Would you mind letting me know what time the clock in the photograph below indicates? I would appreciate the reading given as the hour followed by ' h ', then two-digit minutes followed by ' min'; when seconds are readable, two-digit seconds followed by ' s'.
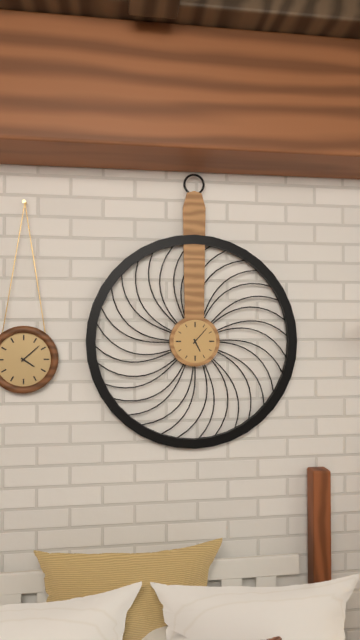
5 h 07 min
